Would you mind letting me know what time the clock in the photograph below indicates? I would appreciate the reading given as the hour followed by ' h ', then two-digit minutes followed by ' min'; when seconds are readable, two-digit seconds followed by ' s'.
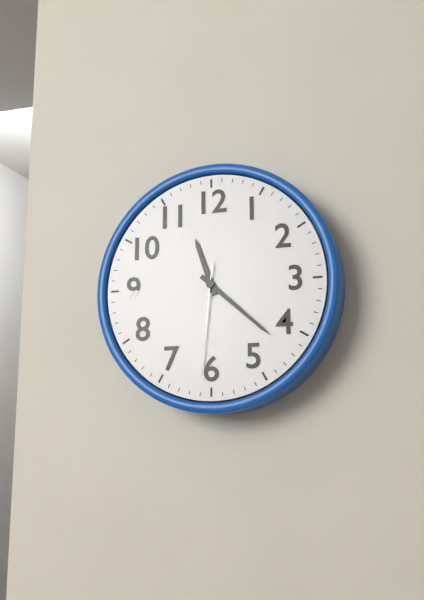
11 h 22 min 31 s
